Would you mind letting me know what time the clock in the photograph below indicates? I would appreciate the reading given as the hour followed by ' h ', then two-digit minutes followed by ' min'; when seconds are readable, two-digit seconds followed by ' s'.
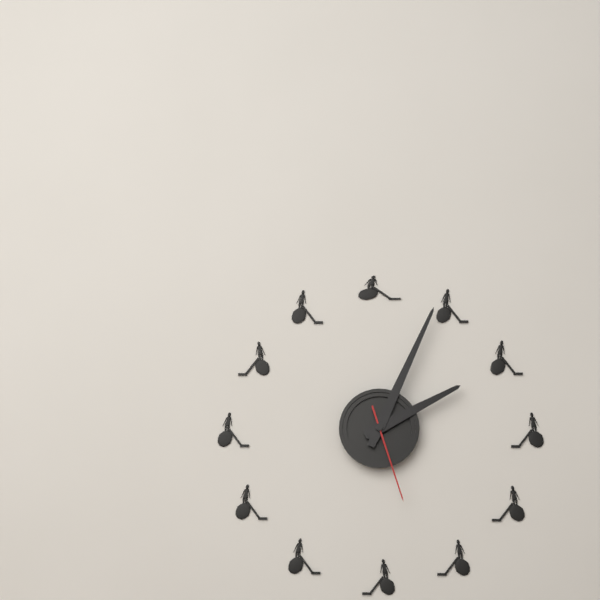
2 h 04 min 27 s
